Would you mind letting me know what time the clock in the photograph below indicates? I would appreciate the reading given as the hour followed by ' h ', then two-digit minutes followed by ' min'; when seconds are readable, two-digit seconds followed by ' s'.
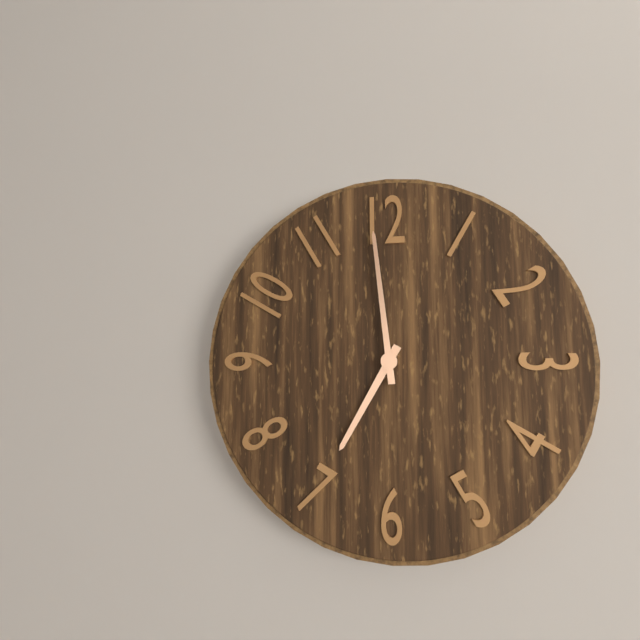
6 h 59 min
